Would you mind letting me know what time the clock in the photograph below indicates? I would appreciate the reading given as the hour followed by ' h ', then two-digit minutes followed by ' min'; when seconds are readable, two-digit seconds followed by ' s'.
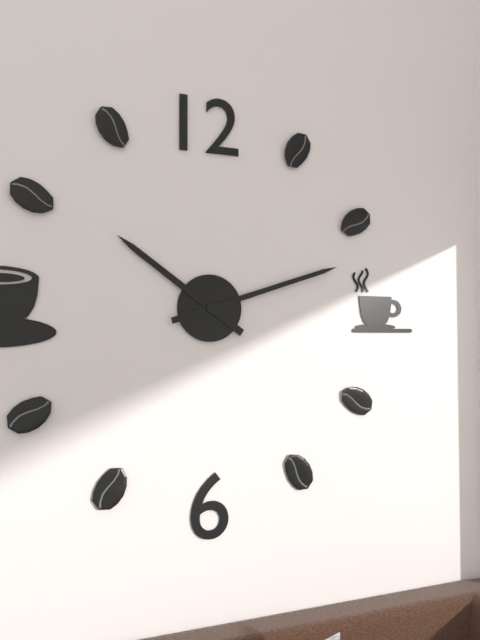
10 h 12 min
